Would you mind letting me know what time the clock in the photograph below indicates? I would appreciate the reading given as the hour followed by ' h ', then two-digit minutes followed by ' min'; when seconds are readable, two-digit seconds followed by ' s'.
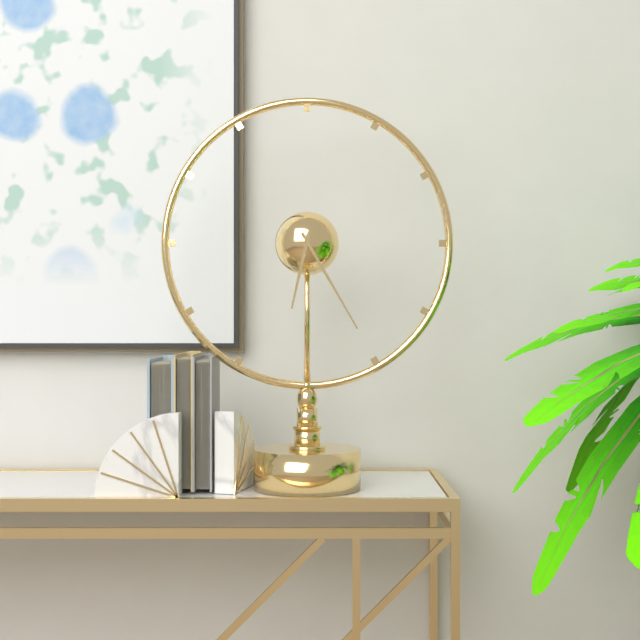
6 h 25 min
